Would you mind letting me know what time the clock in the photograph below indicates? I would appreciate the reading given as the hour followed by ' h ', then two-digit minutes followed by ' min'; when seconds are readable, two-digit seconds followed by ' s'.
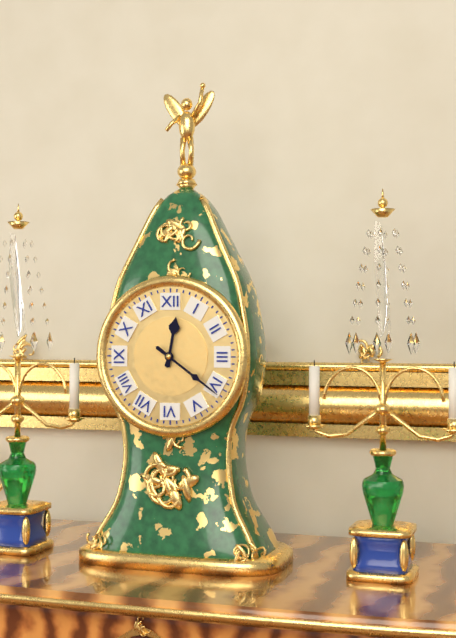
12 h 21 min
